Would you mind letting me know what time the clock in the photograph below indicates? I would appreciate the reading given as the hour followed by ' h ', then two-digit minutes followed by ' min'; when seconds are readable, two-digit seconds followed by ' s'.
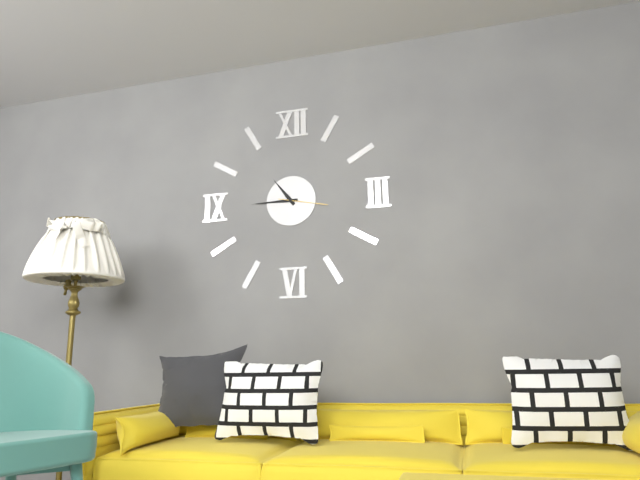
10 h 45 min
